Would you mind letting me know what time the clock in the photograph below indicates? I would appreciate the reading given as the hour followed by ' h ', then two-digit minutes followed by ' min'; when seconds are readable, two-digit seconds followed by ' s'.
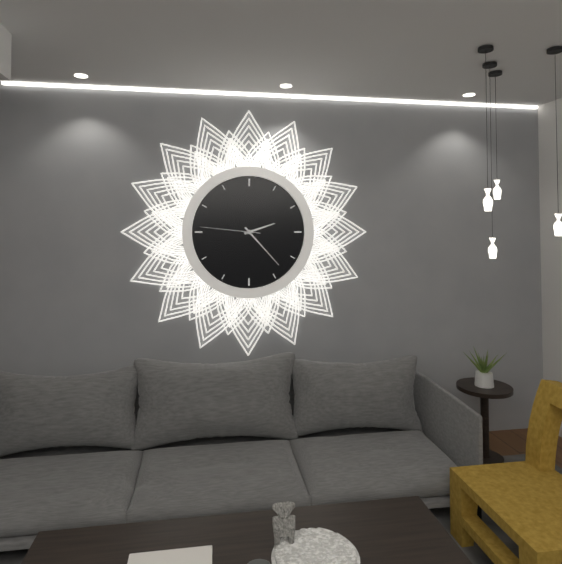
2 h 23 min 46 s
